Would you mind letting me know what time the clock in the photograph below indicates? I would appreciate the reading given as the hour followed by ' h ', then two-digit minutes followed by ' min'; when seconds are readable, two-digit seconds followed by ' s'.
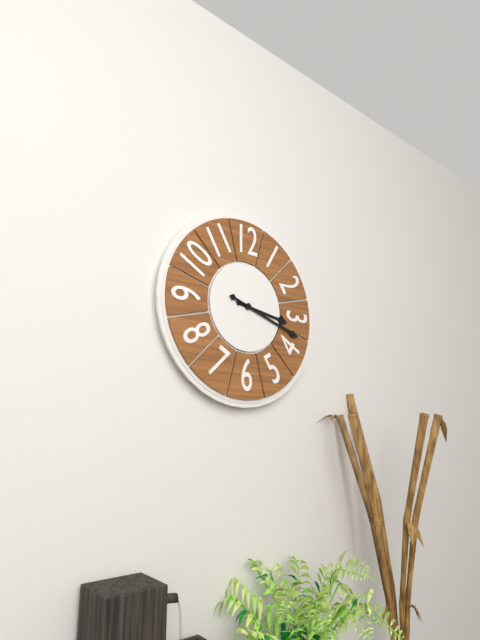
3 h 18 min
